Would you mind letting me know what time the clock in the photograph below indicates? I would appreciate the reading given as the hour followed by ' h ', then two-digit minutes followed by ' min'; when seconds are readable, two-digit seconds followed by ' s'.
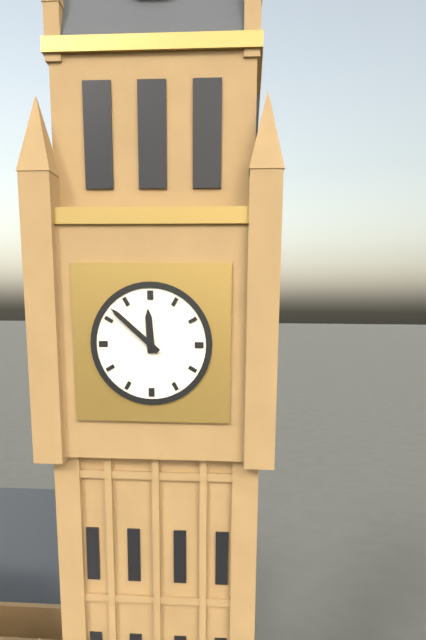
11 h 52 min
